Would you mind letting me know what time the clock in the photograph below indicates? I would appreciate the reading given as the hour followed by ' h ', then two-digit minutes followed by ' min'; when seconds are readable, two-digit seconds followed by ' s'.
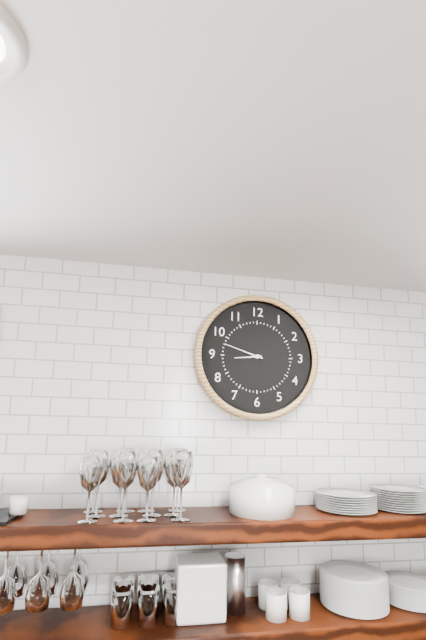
8 h 48 min
